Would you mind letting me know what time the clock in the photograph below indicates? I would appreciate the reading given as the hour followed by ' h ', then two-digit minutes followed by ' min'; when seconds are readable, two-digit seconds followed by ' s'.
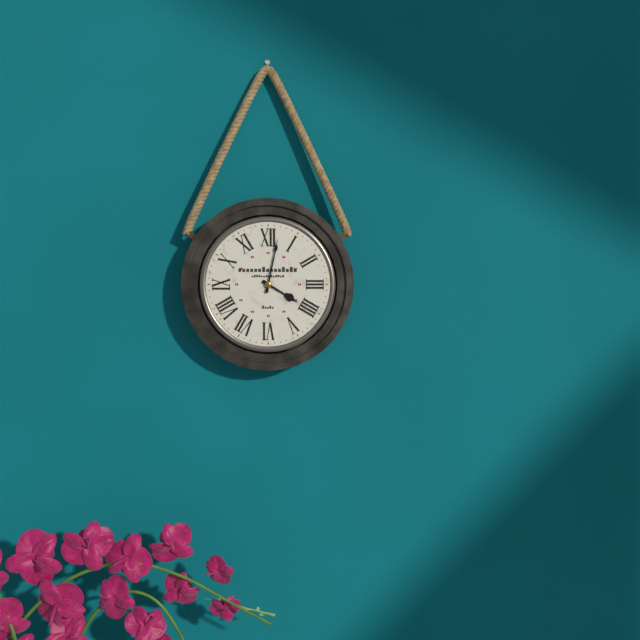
4 h 02 min
